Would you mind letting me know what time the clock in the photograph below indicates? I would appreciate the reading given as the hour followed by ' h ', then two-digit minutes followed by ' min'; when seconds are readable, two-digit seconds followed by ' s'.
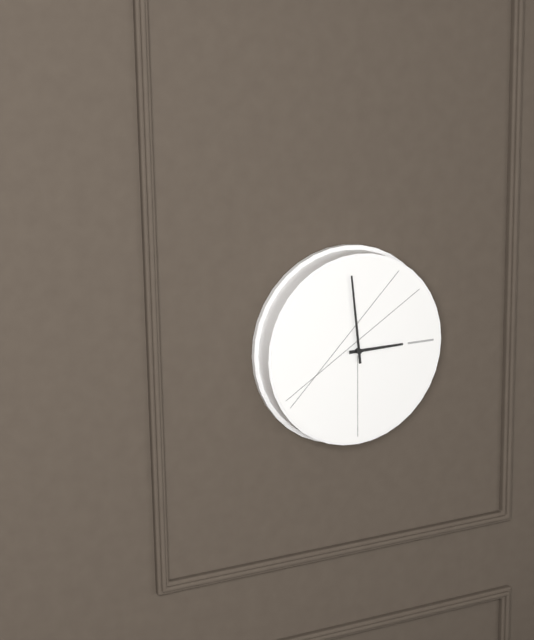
2 h 59 min
